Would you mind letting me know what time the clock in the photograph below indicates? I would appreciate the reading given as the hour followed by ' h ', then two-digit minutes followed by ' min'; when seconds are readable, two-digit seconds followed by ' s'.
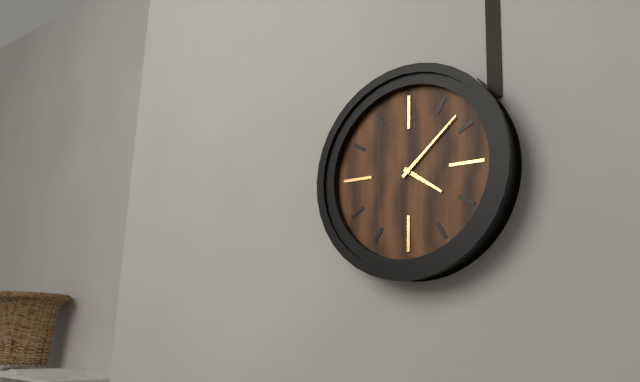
4 h 08 min
